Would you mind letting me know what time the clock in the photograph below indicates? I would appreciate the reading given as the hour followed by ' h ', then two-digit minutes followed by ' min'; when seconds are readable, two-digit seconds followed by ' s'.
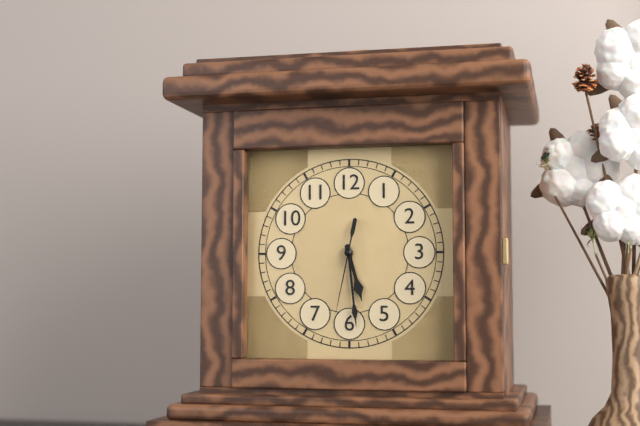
5 h 29 min 32 s
